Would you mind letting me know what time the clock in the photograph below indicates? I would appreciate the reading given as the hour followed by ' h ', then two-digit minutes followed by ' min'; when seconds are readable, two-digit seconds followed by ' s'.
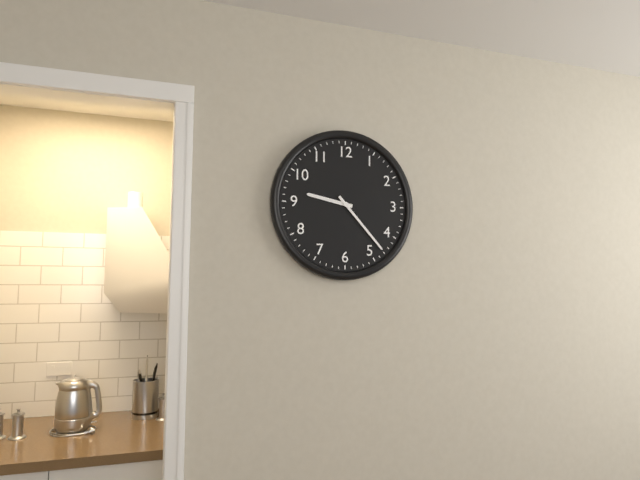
9 h 23 min
